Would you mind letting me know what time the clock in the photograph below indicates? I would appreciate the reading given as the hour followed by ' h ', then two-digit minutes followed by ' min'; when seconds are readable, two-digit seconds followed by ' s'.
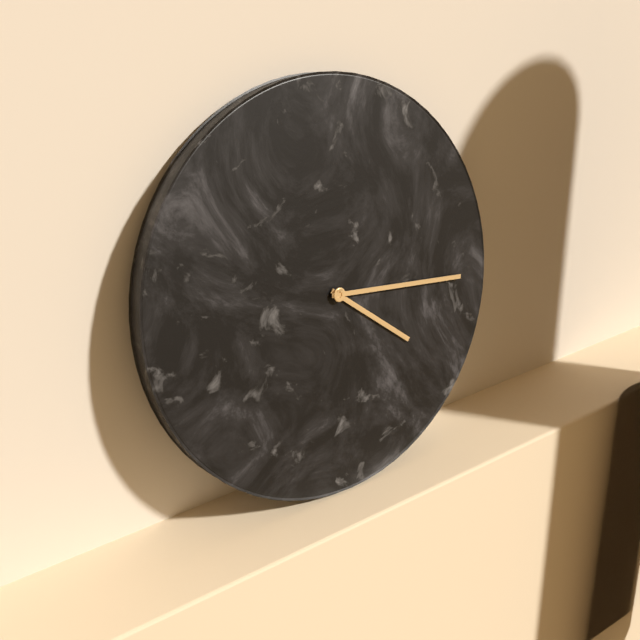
4 h 16 min
